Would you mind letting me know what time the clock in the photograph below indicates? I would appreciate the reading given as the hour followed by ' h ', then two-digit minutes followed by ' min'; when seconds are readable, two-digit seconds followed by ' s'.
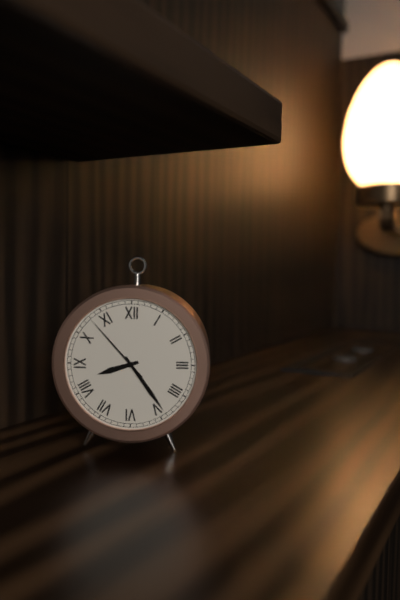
8 h 24 min 53 s
